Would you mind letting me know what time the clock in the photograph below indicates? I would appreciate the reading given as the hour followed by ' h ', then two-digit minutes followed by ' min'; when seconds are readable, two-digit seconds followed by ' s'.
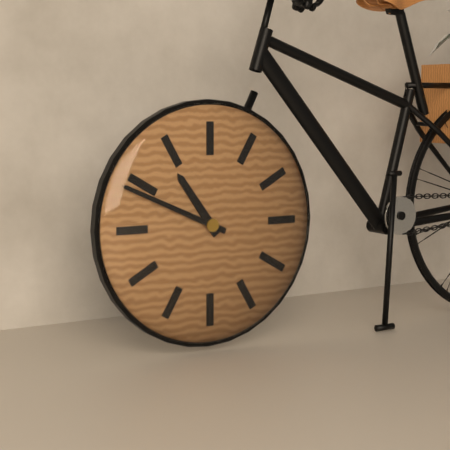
10 h 49 min
